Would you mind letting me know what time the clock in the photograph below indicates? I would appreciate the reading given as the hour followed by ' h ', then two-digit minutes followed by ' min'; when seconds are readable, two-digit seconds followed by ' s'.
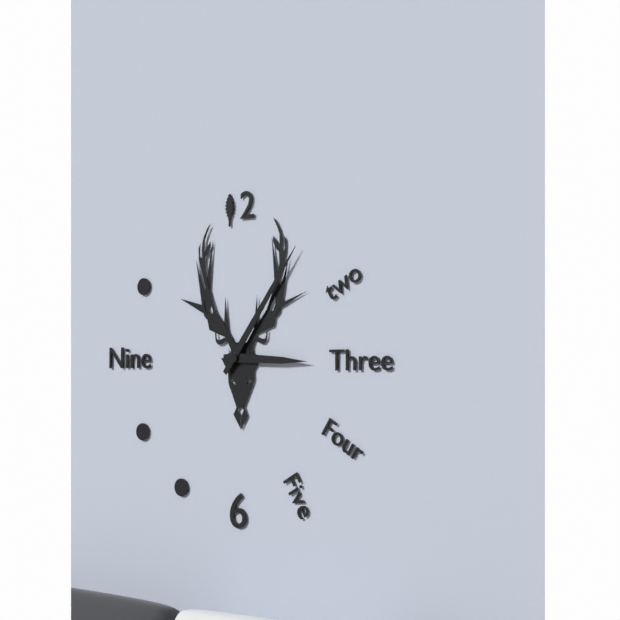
3 h 06 min
